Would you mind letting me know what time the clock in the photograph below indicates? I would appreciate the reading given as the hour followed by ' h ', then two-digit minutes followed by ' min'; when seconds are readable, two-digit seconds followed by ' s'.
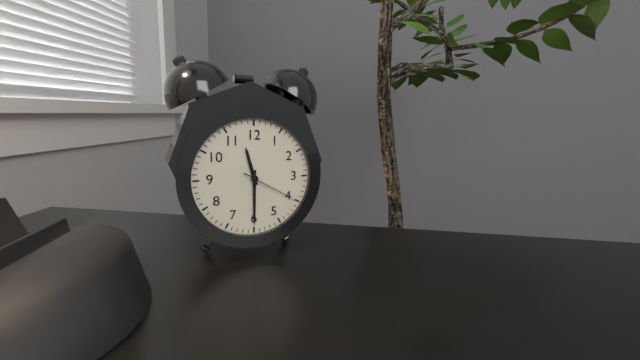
11 h 30 min 20 s
